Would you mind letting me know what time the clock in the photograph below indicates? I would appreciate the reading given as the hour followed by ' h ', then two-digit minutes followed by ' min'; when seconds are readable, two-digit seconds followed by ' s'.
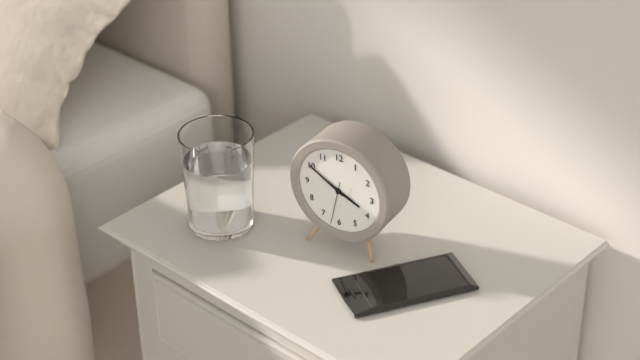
3 h 50 min 32 s
